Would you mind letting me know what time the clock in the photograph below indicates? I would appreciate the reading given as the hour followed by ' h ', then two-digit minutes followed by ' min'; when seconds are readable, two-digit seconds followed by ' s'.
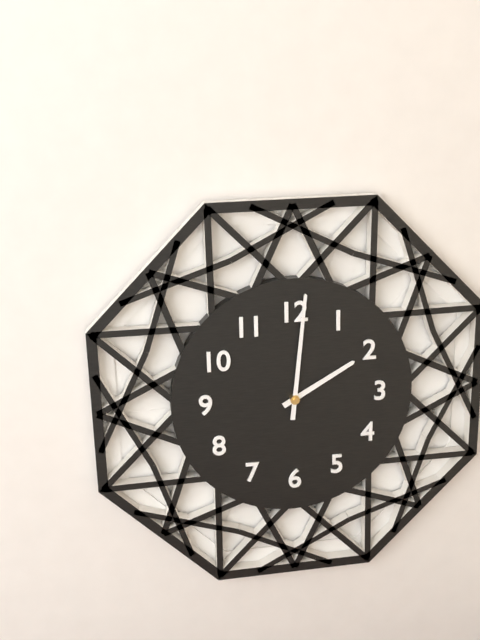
2 h 01 min
